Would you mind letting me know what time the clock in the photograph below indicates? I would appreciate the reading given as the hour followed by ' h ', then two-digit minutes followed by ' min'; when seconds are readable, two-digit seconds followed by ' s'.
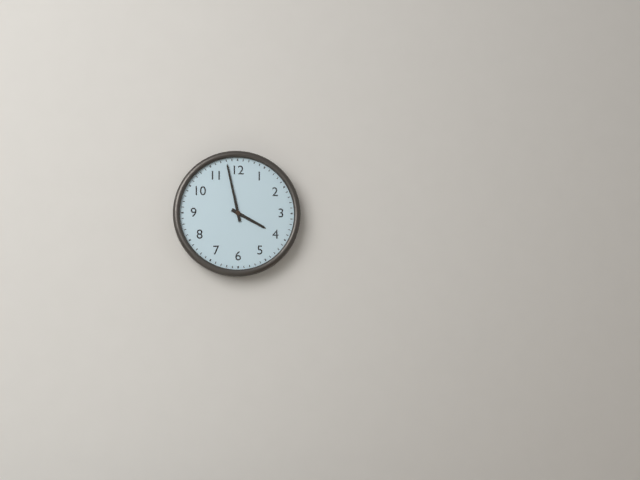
3 h 58 min
